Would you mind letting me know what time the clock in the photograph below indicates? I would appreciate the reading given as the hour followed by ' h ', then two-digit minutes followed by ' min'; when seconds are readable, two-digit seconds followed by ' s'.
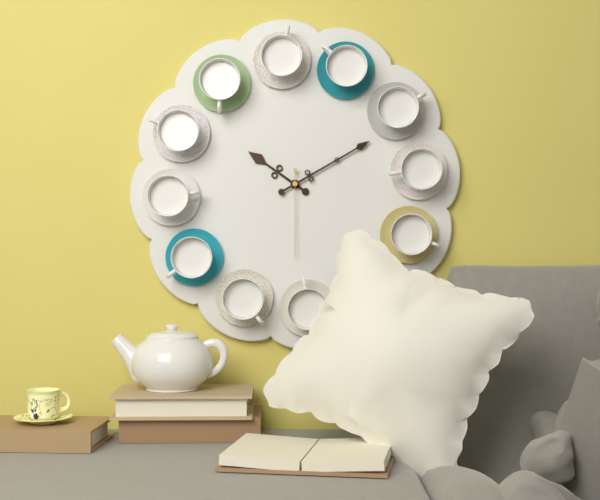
10 h 10 min 30 s
